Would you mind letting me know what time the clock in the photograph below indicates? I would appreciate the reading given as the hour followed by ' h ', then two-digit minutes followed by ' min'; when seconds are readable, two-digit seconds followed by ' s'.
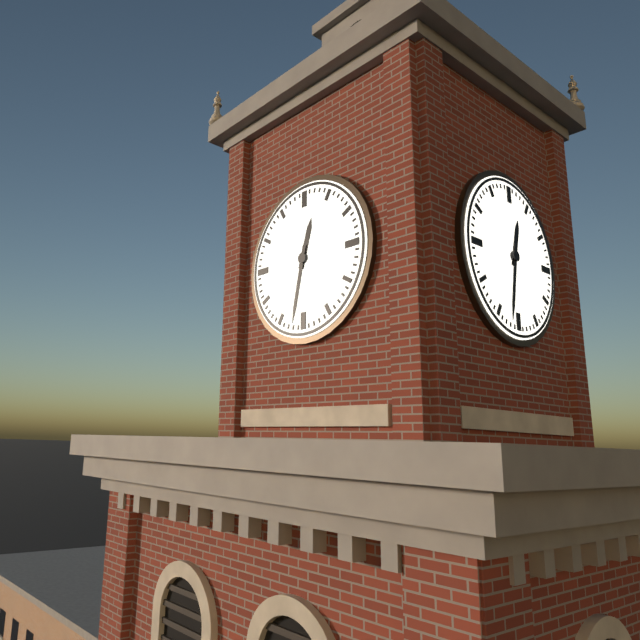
12 h 32 min
